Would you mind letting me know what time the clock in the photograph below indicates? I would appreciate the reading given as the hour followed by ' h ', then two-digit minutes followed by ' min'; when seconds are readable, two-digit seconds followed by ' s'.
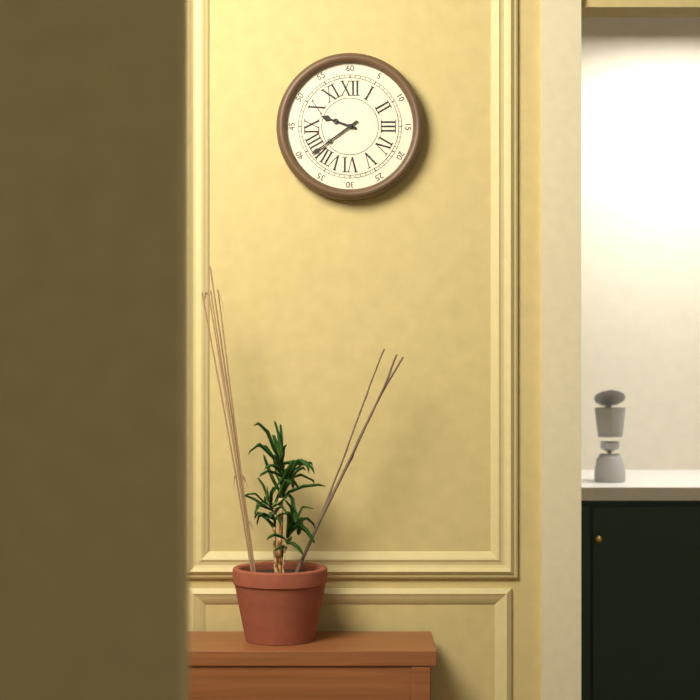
9 h 39 min
